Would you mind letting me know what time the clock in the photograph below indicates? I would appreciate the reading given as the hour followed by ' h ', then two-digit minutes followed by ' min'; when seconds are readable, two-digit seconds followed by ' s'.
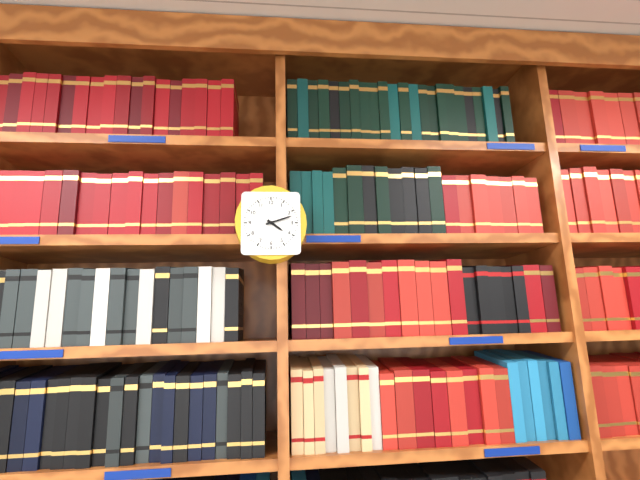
4 h 12 min
